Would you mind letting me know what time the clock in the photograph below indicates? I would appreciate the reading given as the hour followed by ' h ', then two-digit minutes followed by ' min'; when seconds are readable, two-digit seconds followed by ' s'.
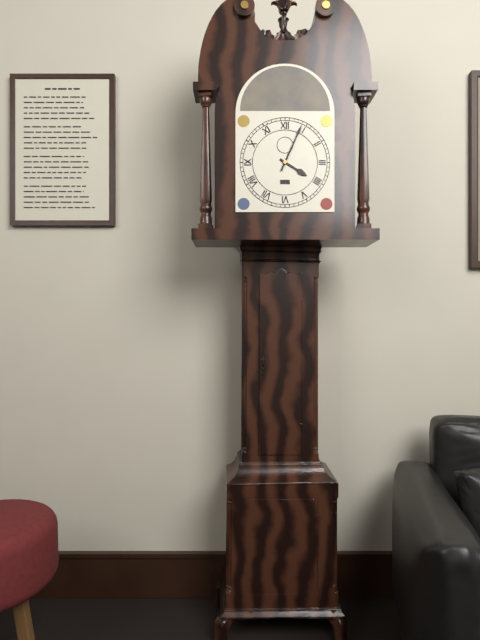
4 h 04 min
